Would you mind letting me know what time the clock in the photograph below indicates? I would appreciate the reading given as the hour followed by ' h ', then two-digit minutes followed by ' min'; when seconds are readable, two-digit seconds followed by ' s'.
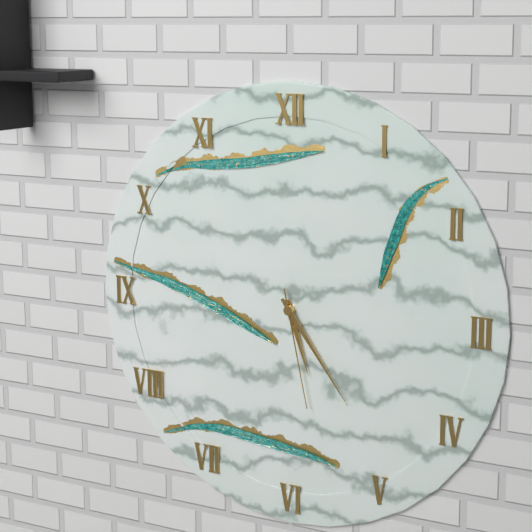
5 h 24 min 28 s
